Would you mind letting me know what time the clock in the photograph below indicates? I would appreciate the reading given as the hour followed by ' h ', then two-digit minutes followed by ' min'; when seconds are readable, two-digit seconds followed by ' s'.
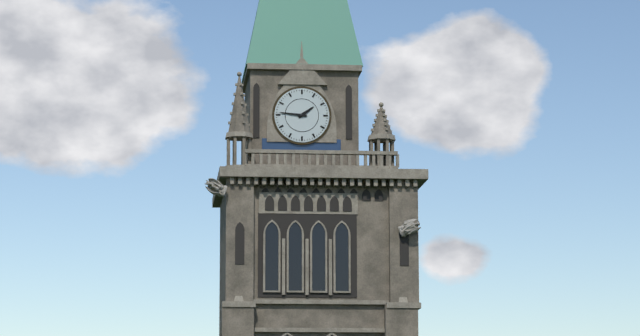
1 h 46 min
